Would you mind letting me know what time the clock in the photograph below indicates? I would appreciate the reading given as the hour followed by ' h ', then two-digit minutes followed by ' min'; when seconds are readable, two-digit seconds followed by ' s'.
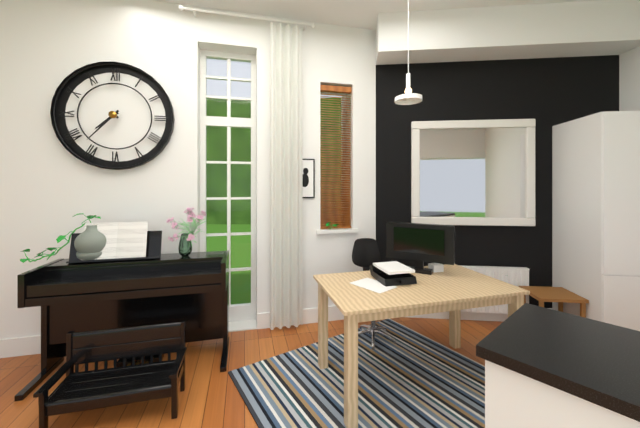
7 h 37 min
